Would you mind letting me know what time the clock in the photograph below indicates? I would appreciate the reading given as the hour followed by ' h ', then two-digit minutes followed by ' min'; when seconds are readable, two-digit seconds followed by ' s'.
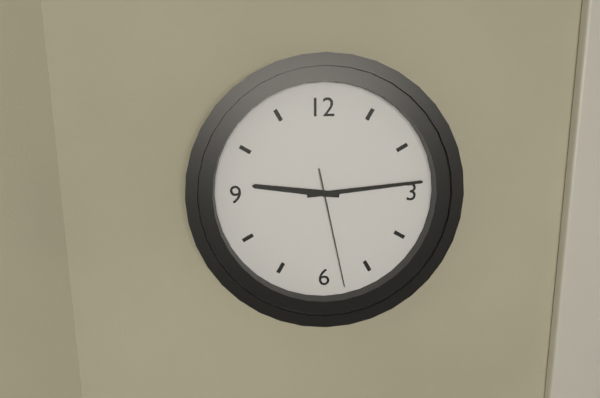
9 h 14 min 28 s
